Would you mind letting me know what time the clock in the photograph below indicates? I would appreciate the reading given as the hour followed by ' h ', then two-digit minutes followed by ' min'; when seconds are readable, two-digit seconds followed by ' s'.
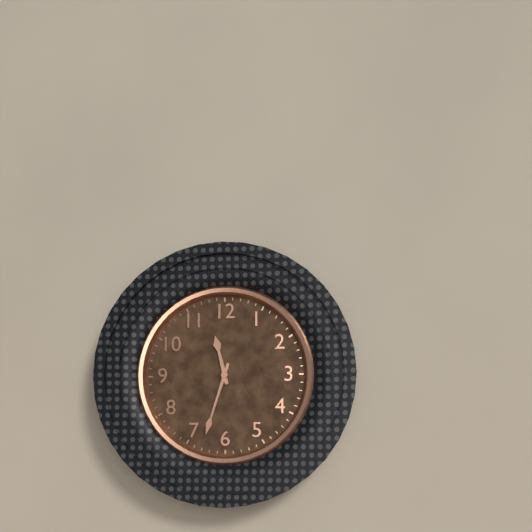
11 h 33 min
